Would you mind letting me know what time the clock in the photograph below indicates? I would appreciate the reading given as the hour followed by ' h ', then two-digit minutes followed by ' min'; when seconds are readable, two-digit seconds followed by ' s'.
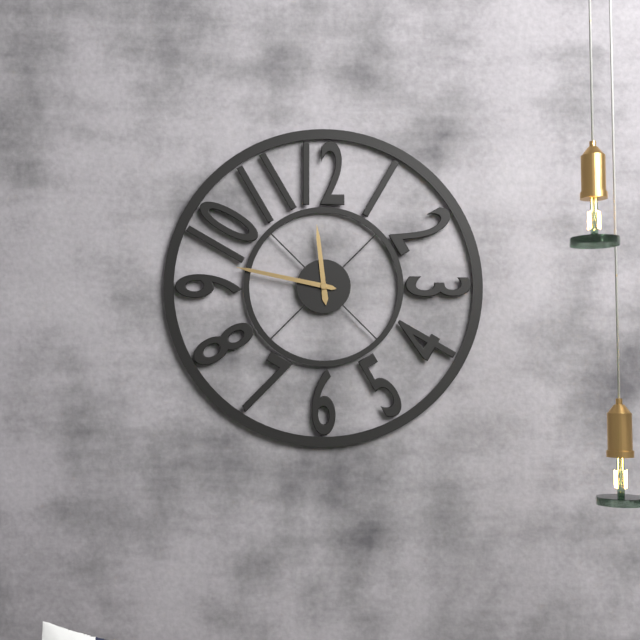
11 h 47 min
